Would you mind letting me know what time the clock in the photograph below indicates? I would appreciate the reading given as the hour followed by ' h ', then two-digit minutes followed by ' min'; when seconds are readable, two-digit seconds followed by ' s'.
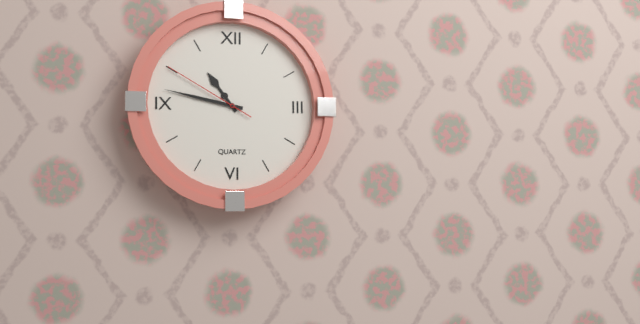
10 h 47 min 50 s
